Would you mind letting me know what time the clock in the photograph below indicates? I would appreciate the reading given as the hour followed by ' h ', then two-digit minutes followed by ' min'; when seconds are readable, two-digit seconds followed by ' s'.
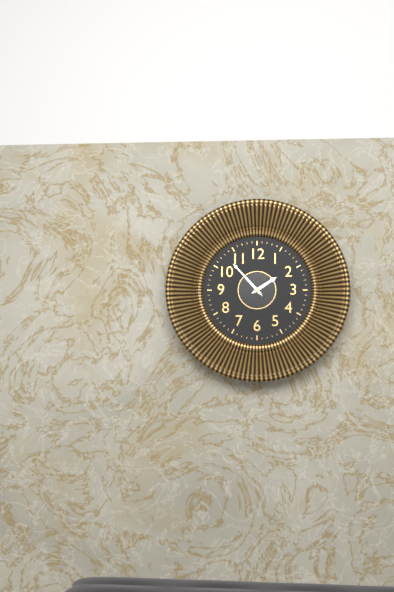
1 h 53 min
